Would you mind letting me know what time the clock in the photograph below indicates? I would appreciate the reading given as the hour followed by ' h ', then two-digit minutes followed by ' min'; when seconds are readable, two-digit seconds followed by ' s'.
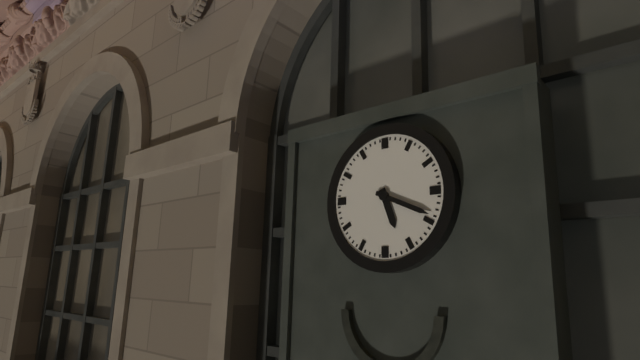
5 h 19 min
